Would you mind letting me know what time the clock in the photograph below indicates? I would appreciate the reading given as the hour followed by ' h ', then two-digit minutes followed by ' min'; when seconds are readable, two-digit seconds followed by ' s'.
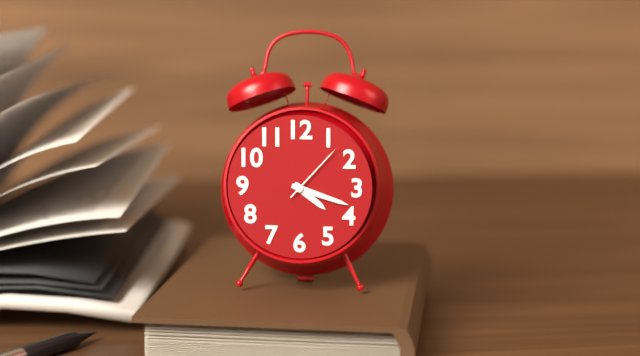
4 h 18 min 07 s
